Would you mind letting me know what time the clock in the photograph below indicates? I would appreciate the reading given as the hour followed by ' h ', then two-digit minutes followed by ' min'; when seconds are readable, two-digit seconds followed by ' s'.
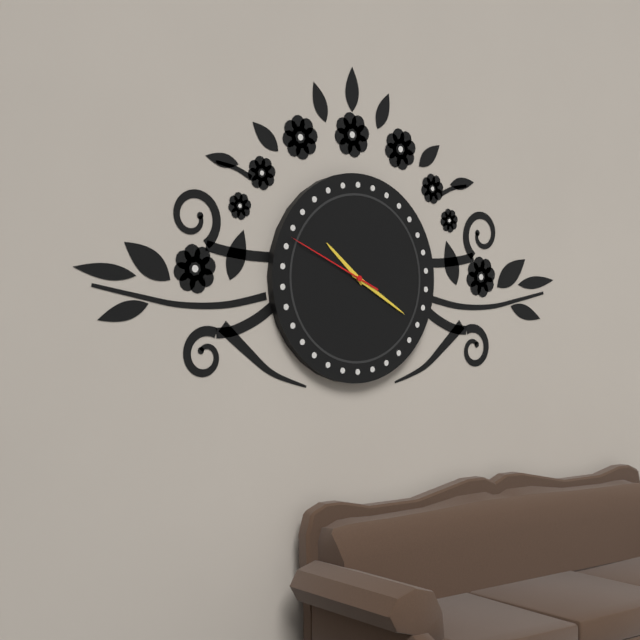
10 h 20 min 49 s
